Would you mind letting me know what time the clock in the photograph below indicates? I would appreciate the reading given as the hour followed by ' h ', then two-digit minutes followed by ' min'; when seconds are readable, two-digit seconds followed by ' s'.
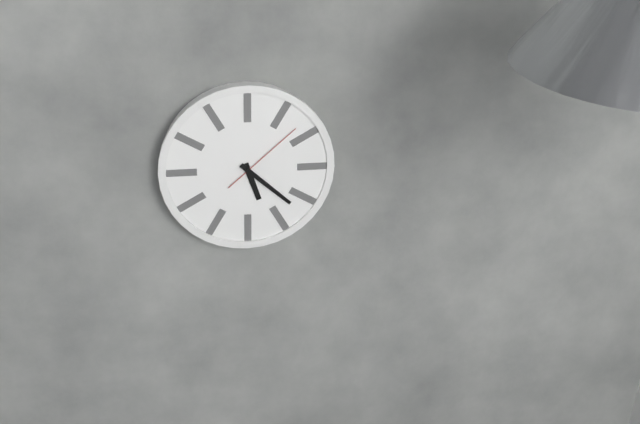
5 h 22 min 08 s
